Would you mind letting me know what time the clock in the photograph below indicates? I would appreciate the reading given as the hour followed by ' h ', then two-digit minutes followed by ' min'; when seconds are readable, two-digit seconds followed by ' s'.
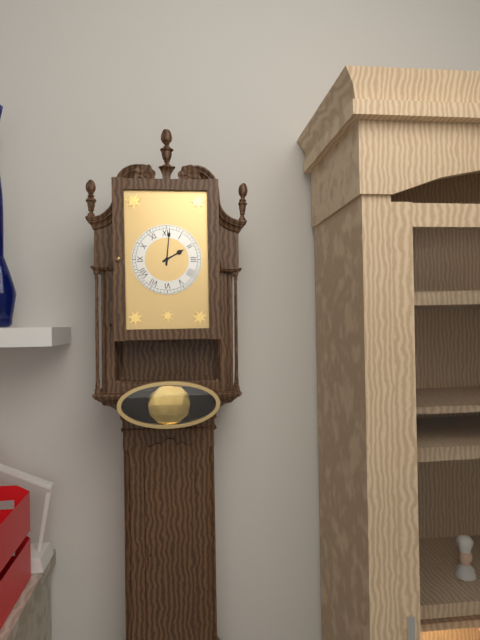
2 h 01 min
